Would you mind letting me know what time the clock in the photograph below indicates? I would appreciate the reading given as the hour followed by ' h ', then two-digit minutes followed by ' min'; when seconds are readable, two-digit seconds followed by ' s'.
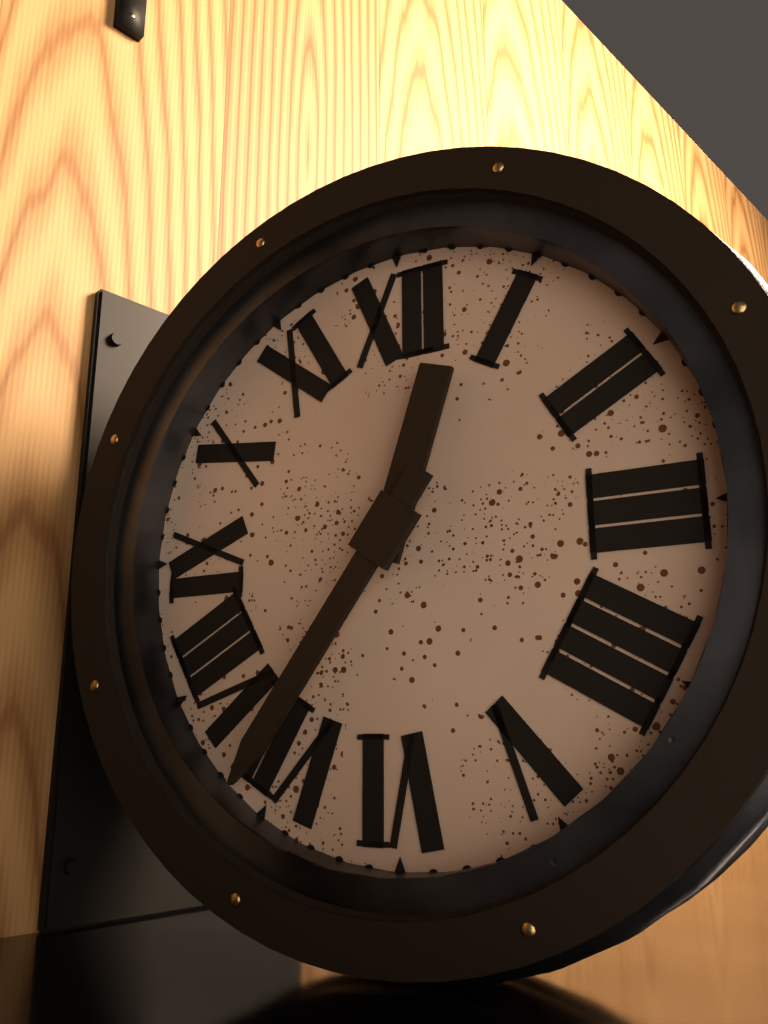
12 h 36 min
